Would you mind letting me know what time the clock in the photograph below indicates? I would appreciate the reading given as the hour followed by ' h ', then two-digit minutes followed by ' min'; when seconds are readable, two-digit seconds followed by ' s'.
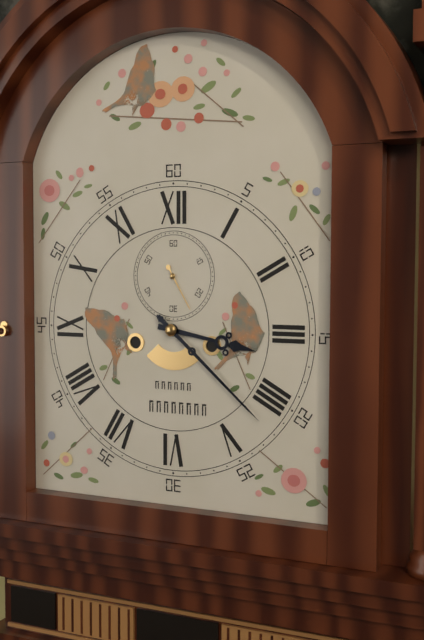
3 h 22 min
